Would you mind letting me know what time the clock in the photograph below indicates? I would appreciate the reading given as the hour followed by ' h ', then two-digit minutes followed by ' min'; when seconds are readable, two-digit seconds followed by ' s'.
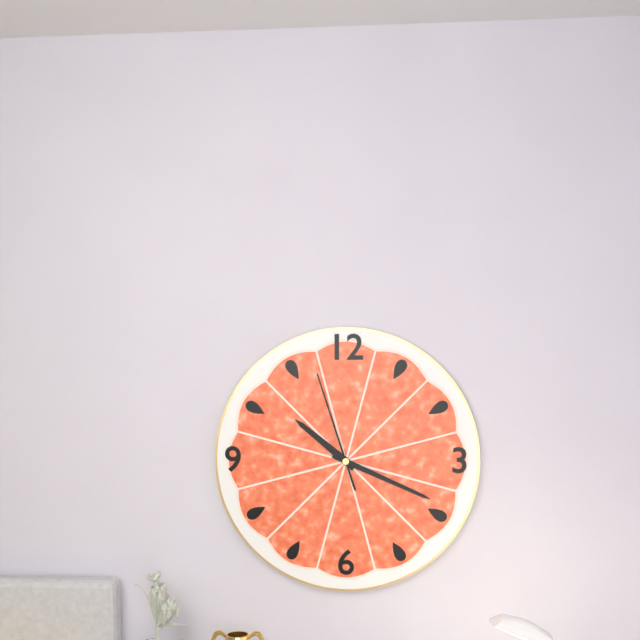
10 h 19 min 57 s
